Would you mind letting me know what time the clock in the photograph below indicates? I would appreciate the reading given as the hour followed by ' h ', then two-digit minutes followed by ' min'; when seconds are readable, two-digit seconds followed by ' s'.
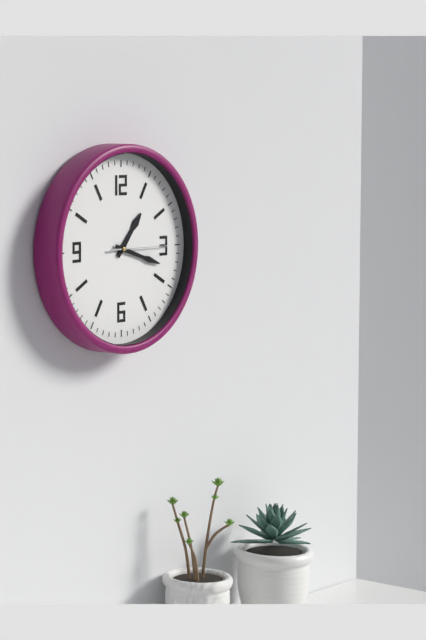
1 h 18 min 15 s
